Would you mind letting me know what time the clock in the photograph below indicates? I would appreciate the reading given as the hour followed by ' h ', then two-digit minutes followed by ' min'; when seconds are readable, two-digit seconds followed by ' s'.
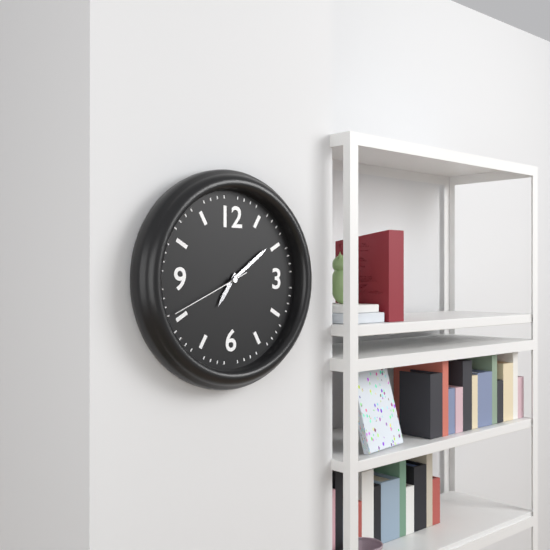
7 h 09 min 41 s
